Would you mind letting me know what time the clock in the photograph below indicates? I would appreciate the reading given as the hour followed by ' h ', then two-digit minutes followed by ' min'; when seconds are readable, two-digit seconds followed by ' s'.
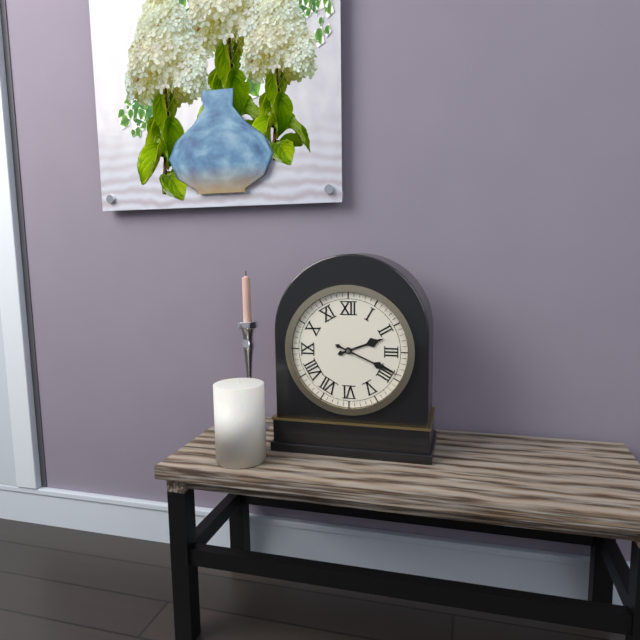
2 h 19 min
